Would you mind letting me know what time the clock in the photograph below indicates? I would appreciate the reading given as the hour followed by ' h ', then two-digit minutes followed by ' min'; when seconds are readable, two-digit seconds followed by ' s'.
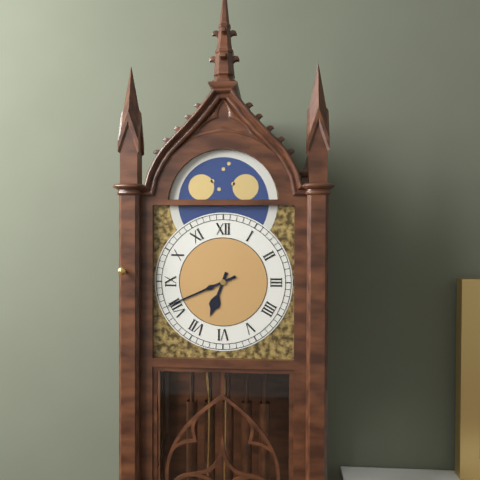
6 h 41 min
